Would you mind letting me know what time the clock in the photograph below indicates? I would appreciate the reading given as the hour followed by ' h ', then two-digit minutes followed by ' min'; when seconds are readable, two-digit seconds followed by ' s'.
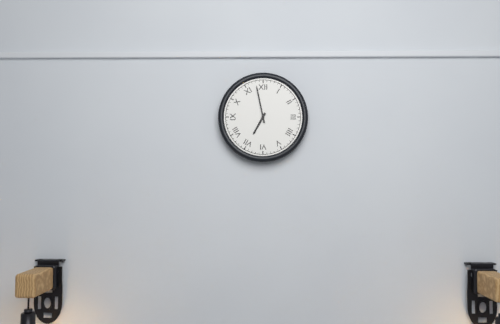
6 h 58 min
